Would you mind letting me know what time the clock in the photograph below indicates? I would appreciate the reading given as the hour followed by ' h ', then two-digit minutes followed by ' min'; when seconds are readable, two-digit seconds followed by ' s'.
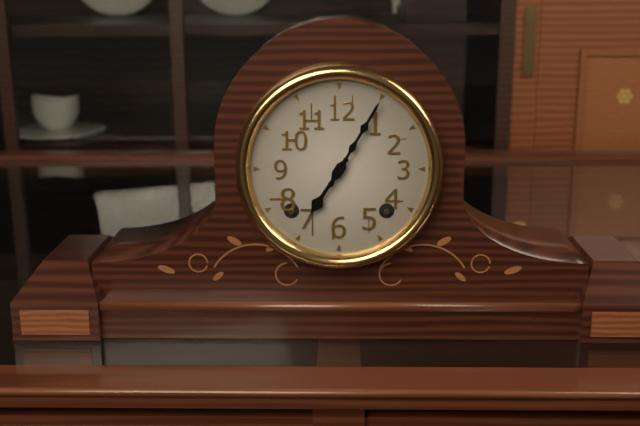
7 h 05 min
